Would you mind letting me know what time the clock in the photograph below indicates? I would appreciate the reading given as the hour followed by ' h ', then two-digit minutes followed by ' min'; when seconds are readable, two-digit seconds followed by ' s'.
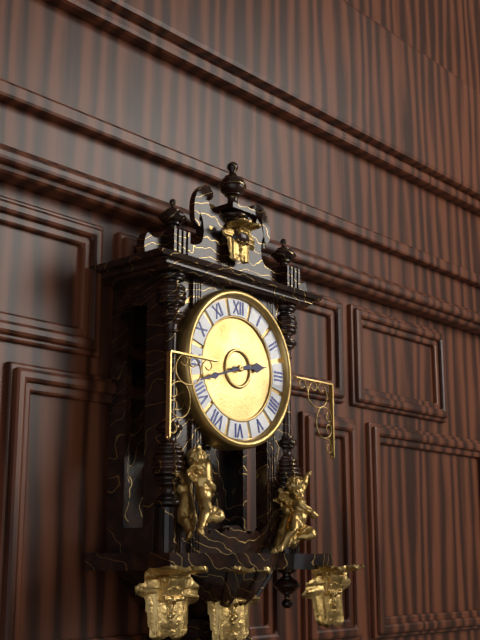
2 h 42 min
